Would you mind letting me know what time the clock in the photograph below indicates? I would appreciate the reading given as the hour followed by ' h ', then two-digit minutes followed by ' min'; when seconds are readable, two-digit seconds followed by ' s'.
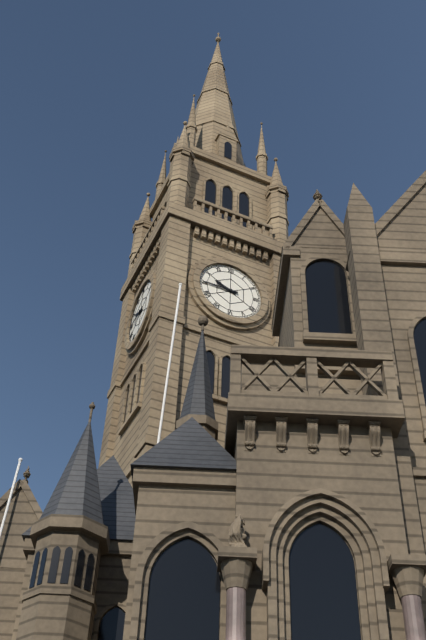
9 h 45 min
